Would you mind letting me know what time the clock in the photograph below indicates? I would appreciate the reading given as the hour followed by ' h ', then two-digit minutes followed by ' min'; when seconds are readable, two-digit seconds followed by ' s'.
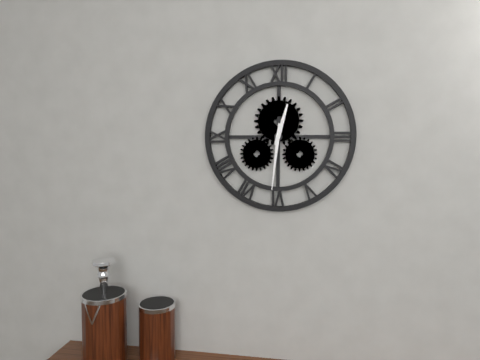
12 h 31 min
